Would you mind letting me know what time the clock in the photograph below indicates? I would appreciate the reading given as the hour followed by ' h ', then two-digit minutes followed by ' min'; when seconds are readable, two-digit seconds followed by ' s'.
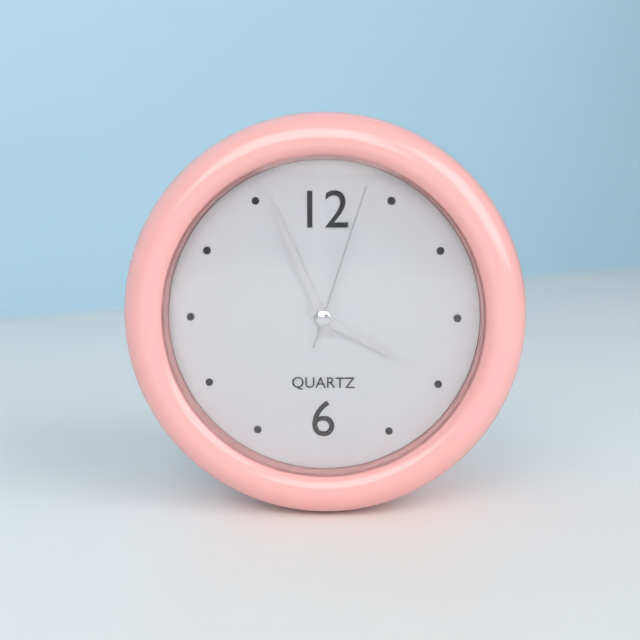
3 h 56 min 03 s
